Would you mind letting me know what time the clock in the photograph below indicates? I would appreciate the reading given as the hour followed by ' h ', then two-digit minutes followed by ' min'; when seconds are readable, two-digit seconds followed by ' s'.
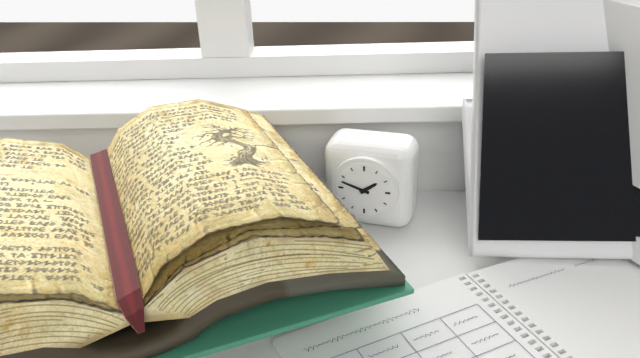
1 h 48 min
